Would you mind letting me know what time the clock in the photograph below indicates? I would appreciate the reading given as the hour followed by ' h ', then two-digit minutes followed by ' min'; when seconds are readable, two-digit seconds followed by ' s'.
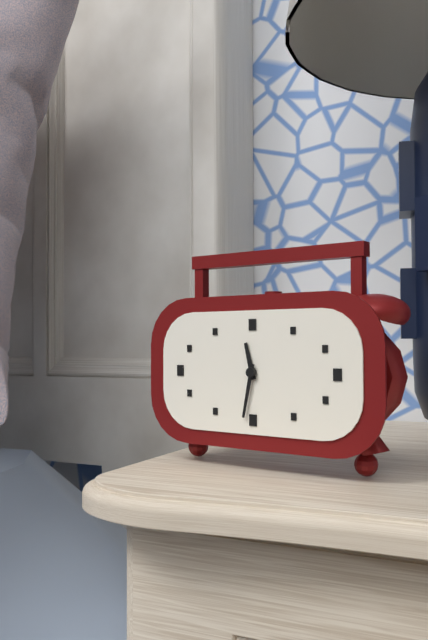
11 h 32 min
